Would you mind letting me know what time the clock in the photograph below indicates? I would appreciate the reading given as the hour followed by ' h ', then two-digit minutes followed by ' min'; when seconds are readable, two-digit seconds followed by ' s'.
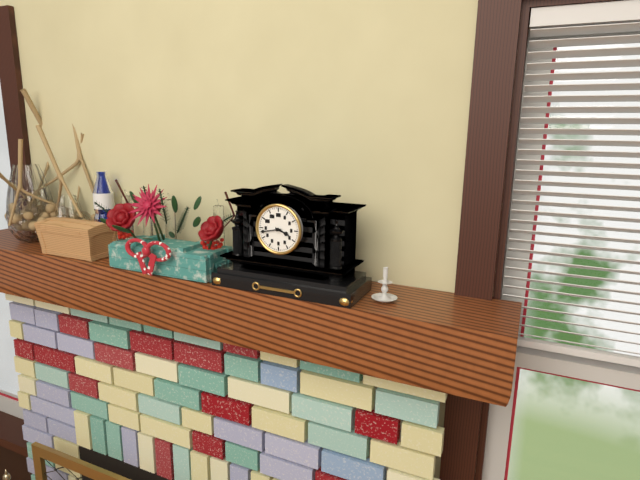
3 h 43 min
